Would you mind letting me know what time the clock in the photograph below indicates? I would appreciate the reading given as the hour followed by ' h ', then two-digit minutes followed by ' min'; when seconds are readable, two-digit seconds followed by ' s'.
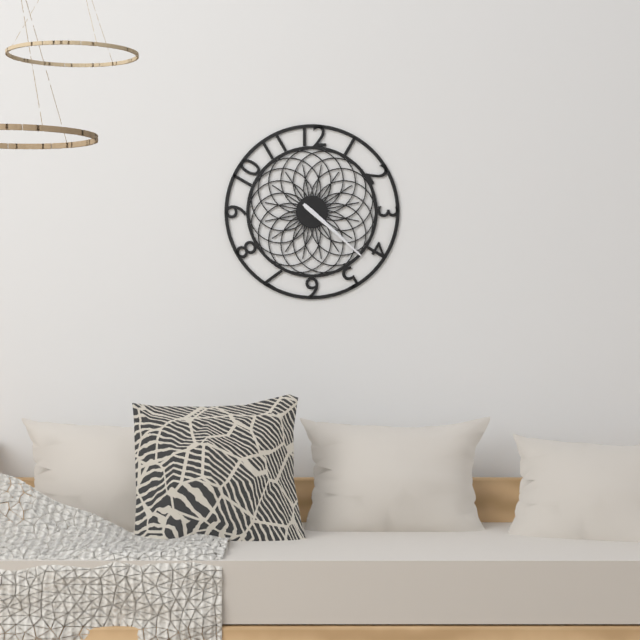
4 h 22 min
